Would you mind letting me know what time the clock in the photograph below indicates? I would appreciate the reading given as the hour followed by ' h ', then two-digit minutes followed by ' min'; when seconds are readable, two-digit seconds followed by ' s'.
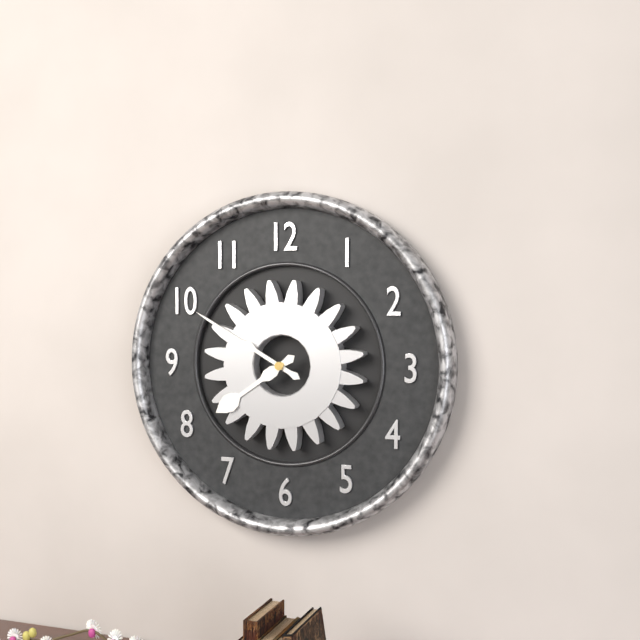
7 h 50 min
